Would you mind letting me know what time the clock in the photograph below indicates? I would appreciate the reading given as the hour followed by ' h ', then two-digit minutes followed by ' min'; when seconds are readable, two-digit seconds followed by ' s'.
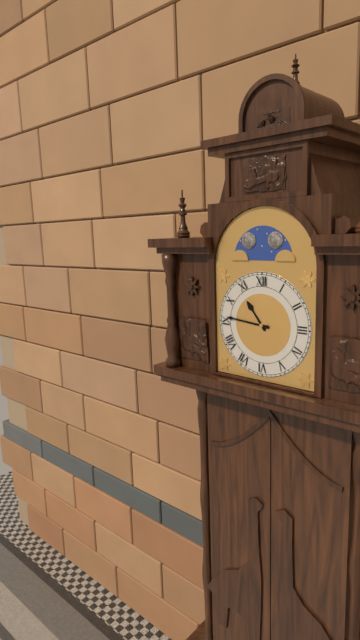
10 h 46 min
